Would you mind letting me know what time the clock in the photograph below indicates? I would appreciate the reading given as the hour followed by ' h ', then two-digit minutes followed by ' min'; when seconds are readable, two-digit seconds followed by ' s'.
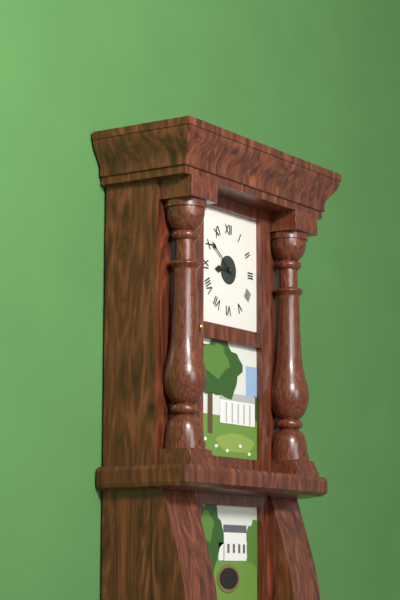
8 h 51 min
